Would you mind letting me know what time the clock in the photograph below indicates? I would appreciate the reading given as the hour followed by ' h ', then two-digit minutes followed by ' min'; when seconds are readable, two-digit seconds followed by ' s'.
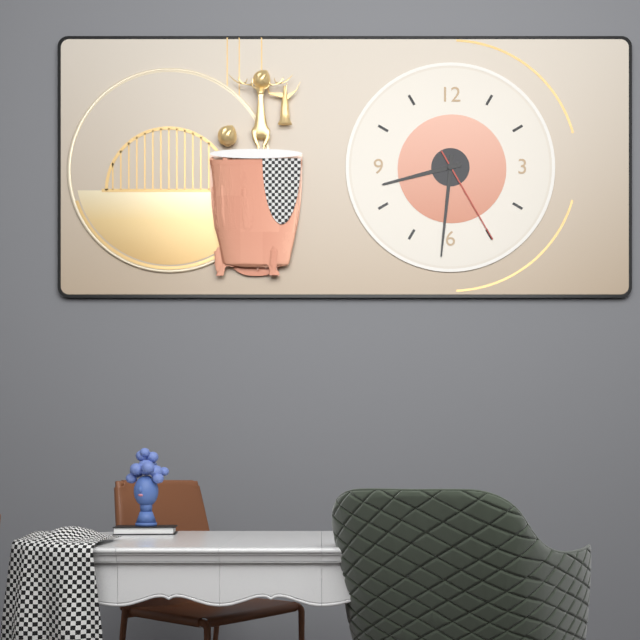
8 h 31 min 25 s
